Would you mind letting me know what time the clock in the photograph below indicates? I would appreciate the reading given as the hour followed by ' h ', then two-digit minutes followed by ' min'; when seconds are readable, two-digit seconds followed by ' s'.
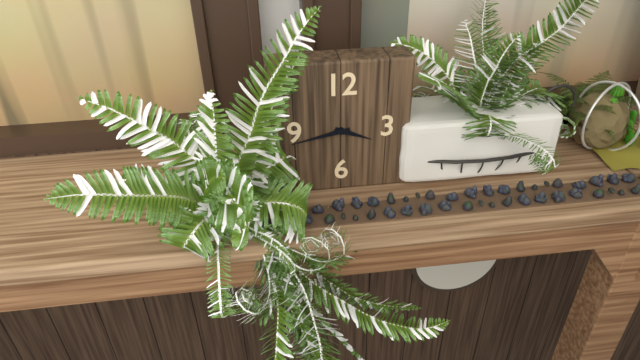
3 h 43 min
